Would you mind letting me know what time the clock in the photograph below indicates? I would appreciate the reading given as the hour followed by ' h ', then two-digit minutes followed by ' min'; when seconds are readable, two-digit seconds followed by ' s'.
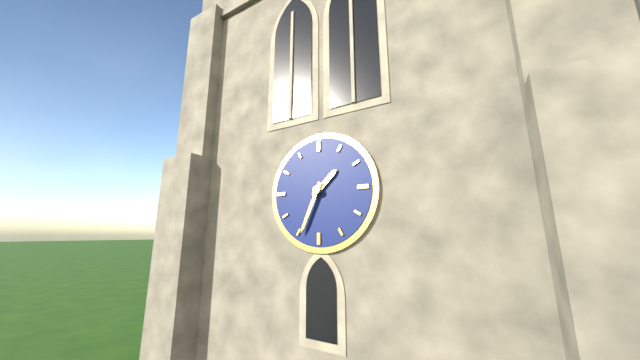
1 h 34 min
